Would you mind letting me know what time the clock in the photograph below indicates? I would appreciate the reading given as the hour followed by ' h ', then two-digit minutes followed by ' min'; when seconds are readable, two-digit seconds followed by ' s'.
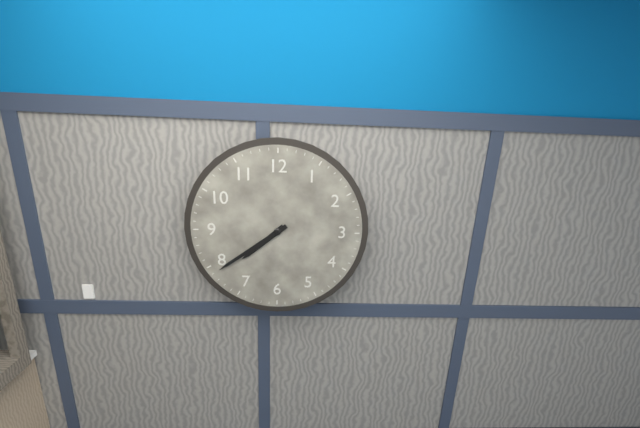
7 h 39 min
